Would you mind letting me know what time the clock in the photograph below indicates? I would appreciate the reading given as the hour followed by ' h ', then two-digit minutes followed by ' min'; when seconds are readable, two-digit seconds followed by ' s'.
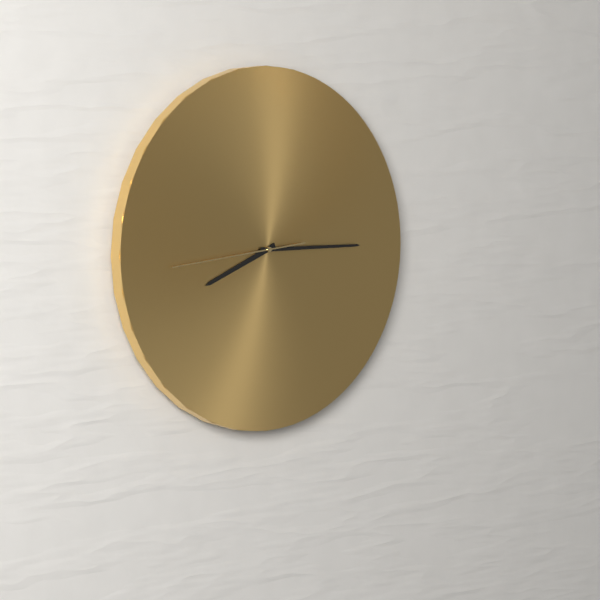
8 h 15 min 44 s
